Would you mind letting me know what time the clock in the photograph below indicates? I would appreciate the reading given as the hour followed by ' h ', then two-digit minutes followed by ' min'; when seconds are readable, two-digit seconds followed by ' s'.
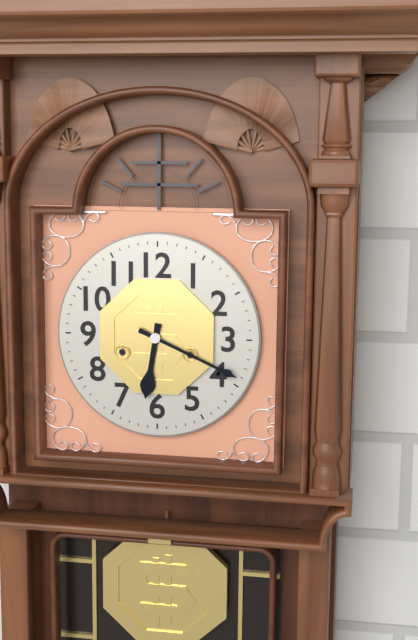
6 h 19 min
